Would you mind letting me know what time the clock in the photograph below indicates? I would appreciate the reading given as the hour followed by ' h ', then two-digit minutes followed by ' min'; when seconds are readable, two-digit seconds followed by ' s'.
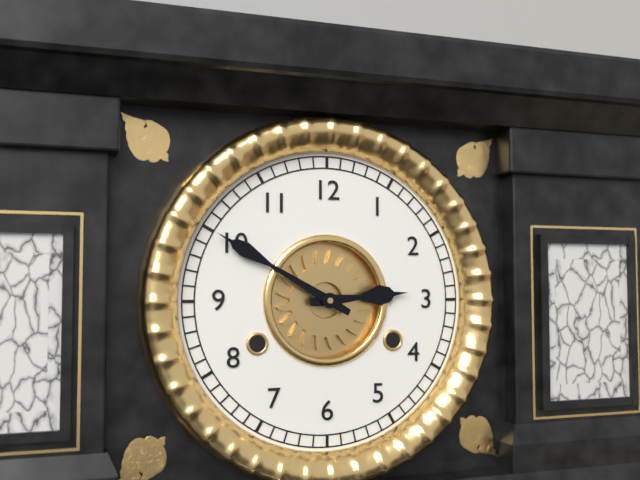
2 h 50 min
